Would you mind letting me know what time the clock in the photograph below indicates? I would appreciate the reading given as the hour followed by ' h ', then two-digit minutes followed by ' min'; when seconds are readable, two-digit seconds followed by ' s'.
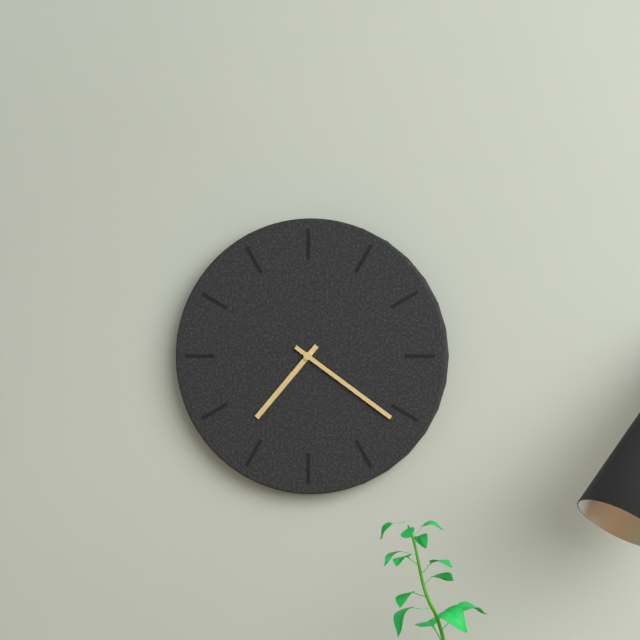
7 h 21 min
